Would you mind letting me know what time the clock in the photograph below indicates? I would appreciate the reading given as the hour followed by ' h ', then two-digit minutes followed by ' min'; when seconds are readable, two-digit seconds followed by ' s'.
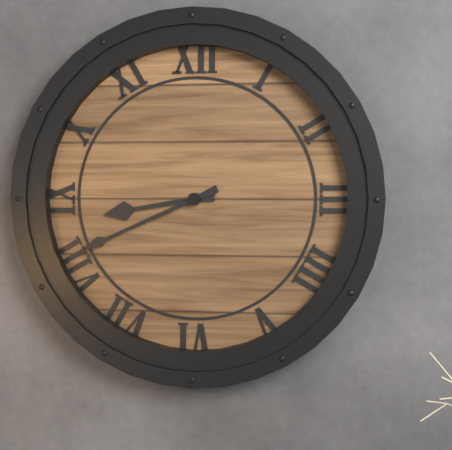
8 h 41 min
